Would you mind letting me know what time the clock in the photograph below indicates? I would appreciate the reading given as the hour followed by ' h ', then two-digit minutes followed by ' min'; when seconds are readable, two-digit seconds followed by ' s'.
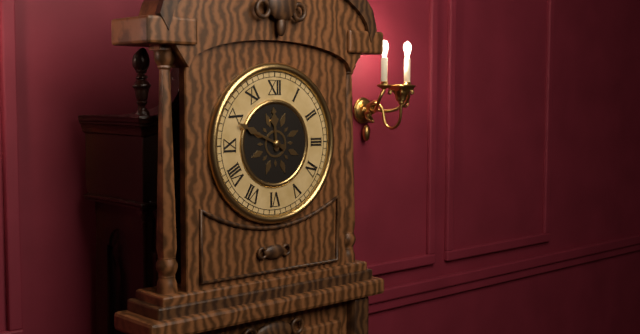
11 h 49 min
